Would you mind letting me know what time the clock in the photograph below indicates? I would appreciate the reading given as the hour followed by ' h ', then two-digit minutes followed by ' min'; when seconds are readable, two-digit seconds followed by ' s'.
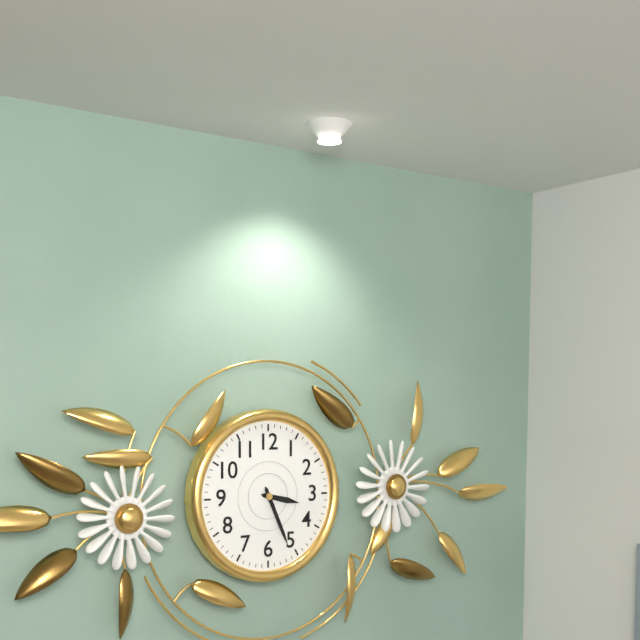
3 h 26 min
